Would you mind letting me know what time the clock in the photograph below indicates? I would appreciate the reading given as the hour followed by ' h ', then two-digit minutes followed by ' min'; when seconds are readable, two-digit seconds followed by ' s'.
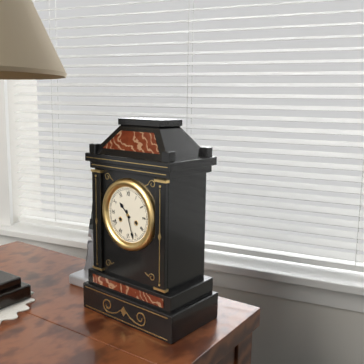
10 h 27 min
